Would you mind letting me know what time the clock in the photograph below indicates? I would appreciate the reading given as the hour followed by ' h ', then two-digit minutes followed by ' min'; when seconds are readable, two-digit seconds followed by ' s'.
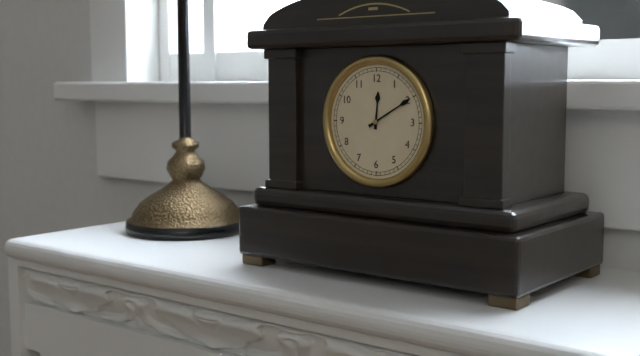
12 h 10 min
